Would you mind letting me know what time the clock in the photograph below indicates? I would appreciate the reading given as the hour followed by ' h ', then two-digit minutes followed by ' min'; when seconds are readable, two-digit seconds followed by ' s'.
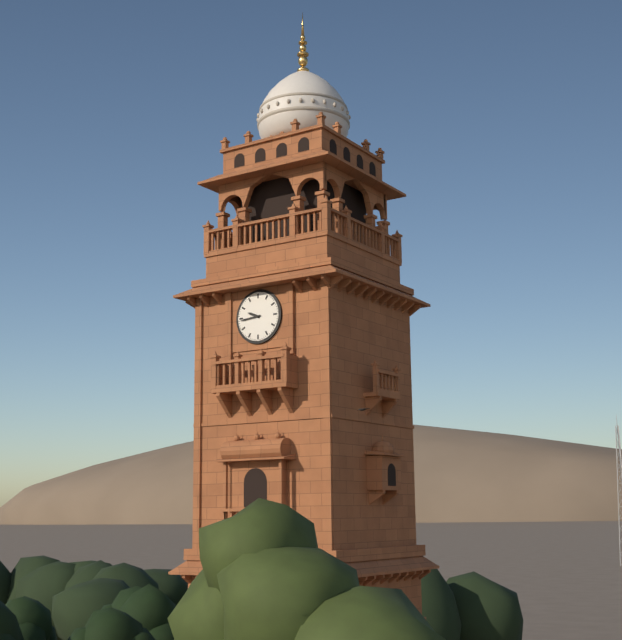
9 h 44 min
